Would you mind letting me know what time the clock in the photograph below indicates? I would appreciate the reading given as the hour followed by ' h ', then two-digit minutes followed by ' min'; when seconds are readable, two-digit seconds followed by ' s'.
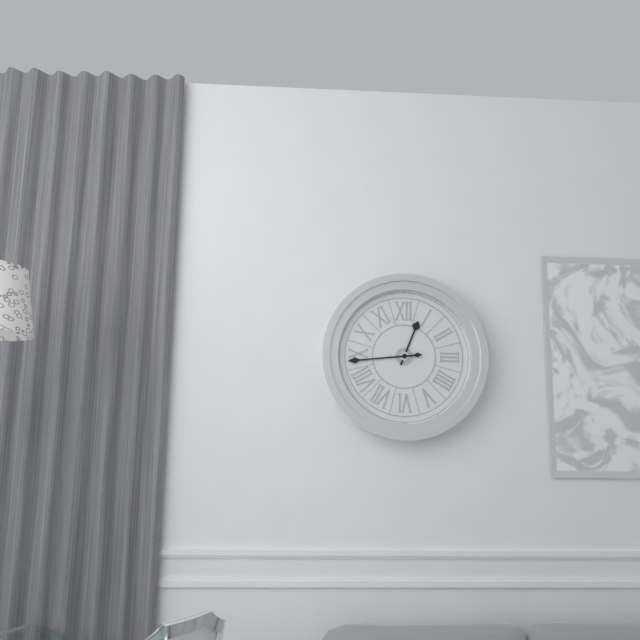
12 h 44 min
